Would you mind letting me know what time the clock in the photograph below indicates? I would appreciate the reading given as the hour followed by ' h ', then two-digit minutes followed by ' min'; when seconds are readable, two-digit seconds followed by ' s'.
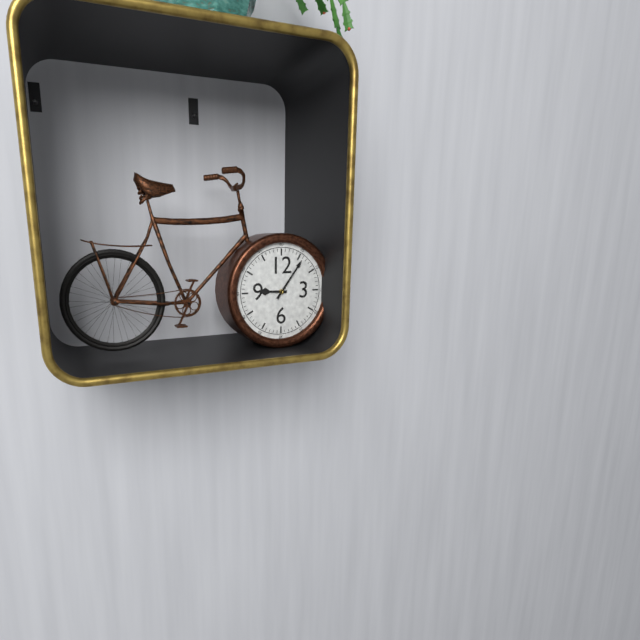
9 h 06 min
